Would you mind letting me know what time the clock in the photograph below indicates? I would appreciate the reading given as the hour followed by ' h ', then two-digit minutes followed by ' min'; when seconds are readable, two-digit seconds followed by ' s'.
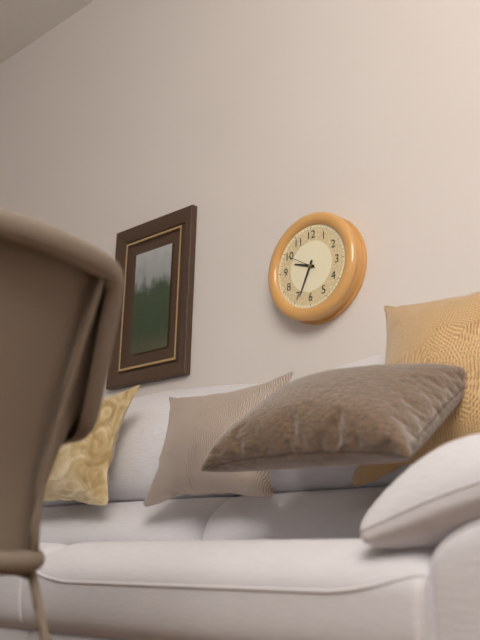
9 h 34 min
